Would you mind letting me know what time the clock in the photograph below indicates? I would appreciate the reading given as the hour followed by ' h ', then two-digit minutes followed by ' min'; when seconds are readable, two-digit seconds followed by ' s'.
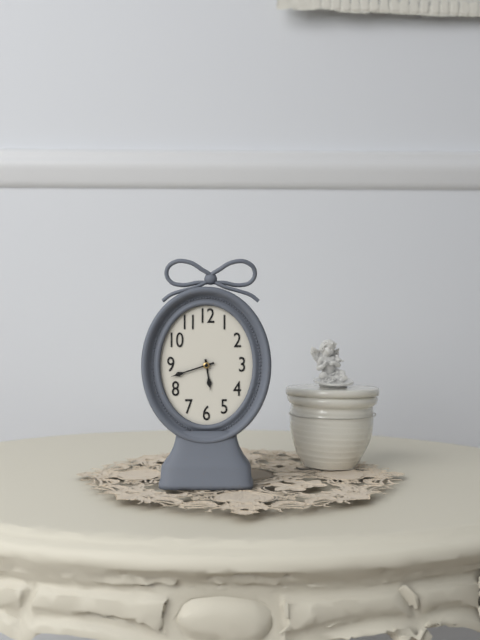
5 h 42 min
